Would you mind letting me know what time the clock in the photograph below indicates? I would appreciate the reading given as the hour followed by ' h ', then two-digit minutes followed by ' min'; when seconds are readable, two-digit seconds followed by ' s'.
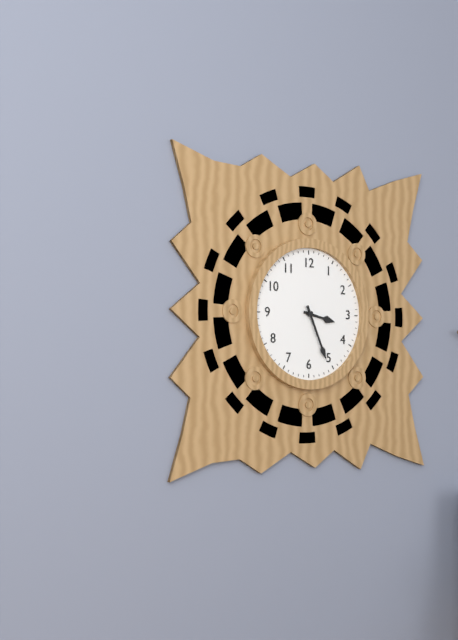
3 h 26 min
